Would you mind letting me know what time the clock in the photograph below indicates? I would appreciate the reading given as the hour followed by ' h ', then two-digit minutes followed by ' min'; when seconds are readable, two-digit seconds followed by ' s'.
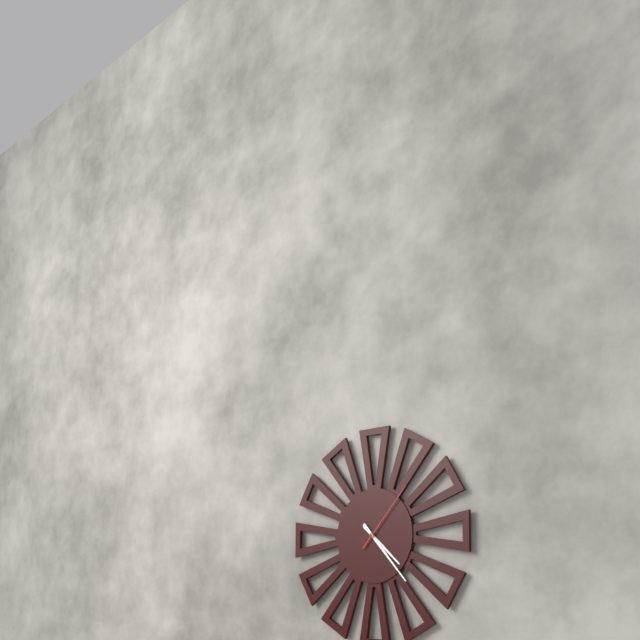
4 h 23 min 07 s
